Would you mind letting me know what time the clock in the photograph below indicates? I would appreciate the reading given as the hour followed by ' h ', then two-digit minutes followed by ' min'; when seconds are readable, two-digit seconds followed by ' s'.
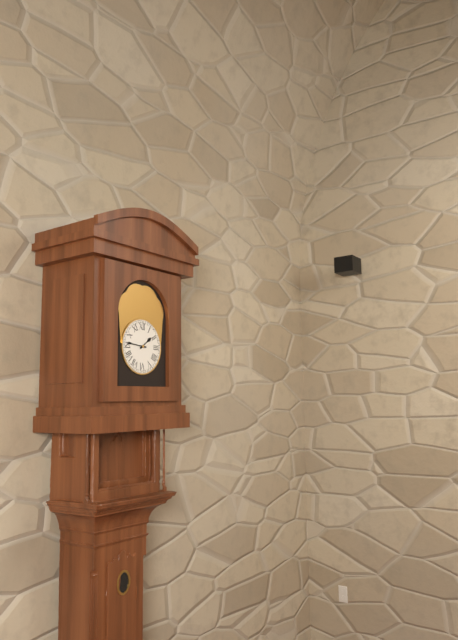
1 h 46 min
